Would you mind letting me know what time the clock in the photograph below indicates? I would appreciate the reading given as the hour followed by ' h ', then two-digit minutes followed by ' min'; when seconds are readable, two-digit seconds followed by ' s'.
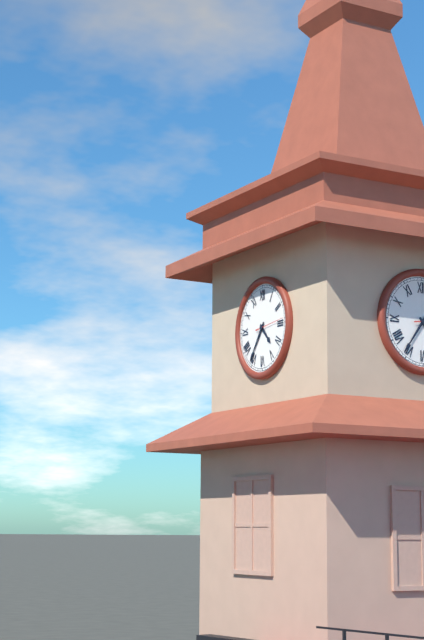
4 h 36 min
